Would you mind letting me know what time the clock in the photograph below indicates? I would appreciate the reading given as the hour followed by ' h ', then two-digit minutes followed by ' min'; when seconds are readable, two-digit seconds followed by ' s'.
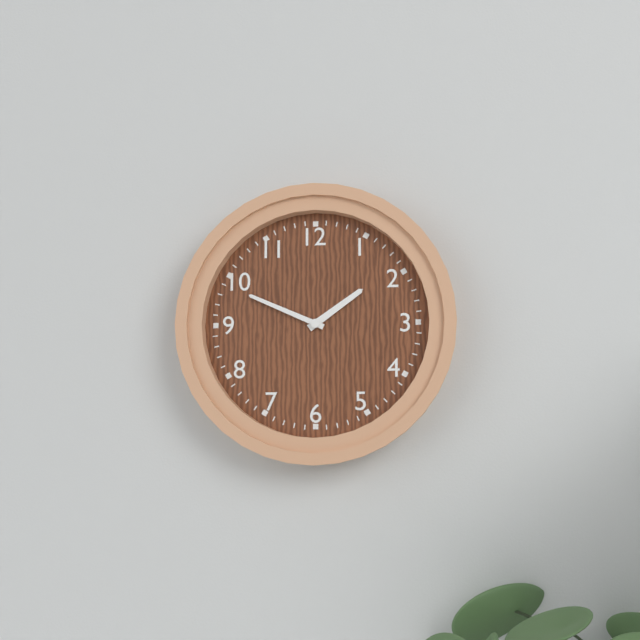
1 h 49 min
